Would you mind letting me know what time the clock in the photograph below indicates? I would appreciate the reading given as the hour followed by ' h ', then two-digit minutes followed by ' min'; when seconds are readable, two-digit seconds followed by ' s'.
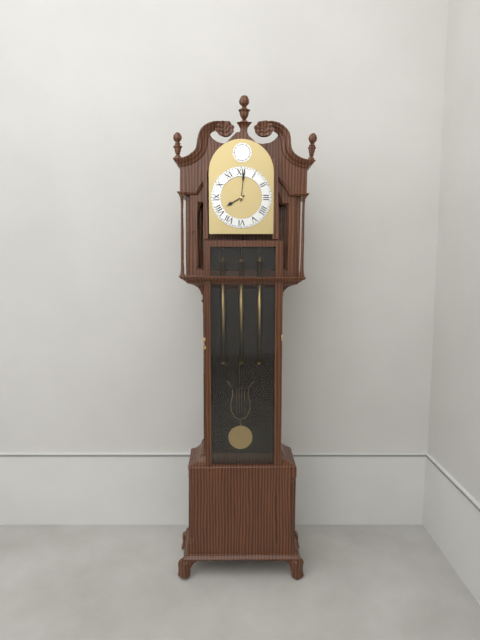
8 h 01 min
